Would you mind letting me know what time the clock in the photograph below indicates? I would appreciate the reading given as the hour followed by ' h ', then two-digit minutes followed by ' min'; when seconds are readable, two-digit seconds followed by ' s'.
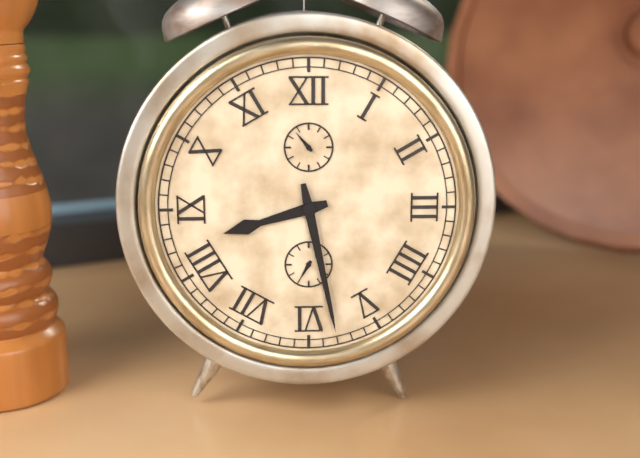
8 h 28 min
